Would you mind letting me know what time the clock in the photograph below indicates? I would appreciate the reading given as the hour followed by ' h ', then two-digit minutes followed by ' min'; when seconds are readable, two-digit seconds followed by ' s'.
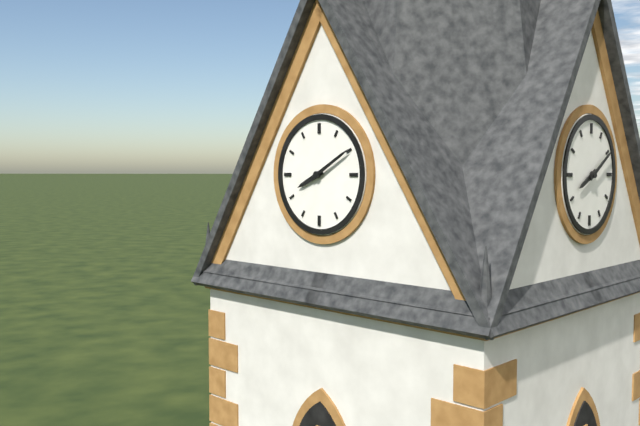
8 h 10 min
